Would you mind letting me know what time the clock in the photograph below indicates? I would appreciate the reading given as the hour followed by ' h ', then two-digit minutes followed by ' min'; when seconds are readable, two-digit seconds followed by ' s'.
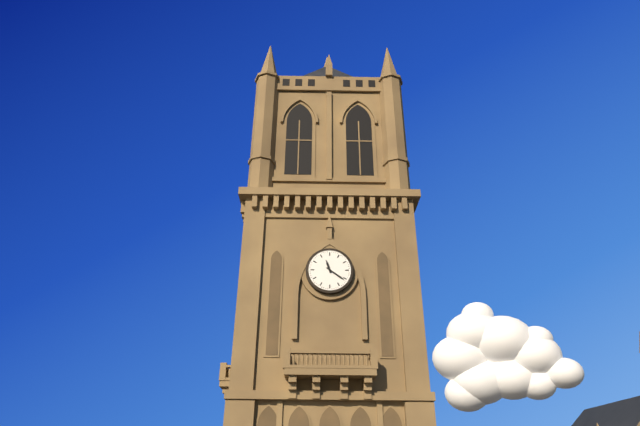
11 h 21 min
